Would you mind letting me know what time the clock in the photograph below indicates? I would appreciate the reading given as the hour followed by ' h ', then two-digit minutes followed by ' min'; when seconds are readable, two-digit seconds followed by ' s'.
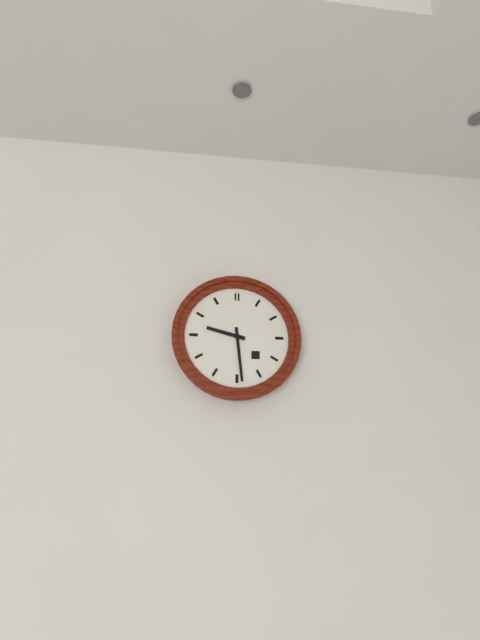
9 h 29 min
